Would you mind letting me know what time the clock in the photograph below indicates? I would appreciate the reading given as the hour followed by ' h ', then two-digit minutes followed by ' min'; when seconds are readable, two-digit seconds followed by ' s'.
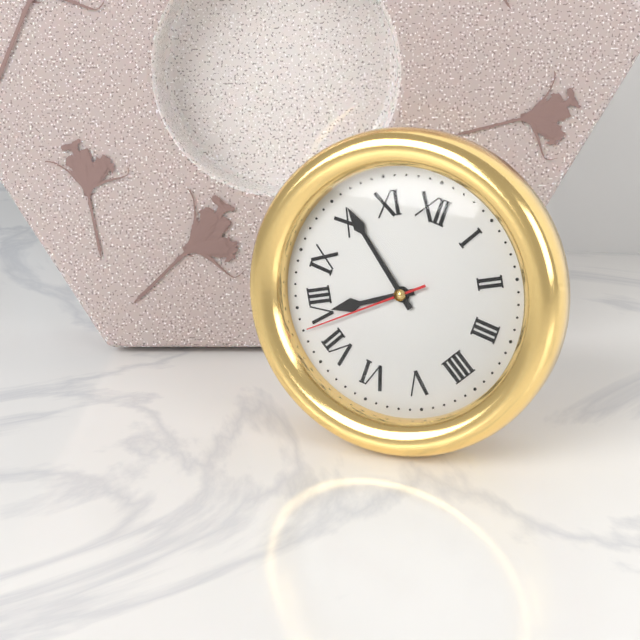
7 h 51 min 38 s
